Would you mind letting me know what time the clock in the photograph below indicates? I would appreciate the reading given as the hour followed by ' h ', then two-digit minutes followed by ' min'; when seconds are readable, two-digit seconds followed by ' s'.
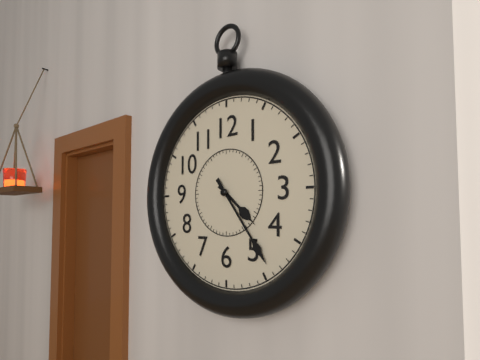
4 h 24 min
